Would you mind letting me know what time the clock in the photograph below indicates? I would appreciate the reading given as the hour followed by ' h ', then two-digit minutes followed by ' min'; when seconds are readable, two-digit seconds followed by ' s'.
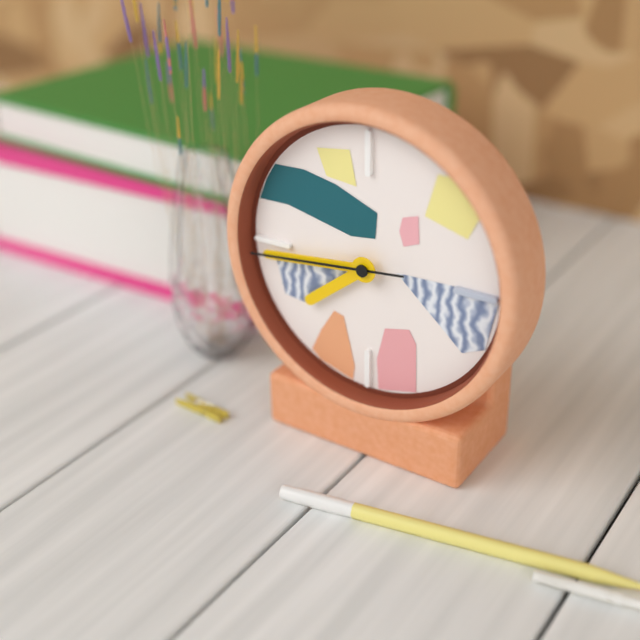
7 h 44 min 44 s
